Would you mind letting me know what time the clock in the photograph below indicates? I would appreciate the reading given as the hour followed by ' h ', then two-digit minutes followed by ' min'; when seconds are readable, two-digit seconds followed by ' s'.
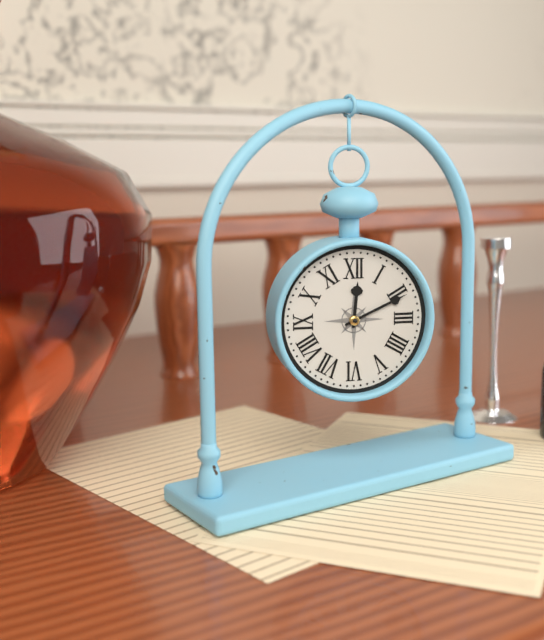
12 h 11 min
